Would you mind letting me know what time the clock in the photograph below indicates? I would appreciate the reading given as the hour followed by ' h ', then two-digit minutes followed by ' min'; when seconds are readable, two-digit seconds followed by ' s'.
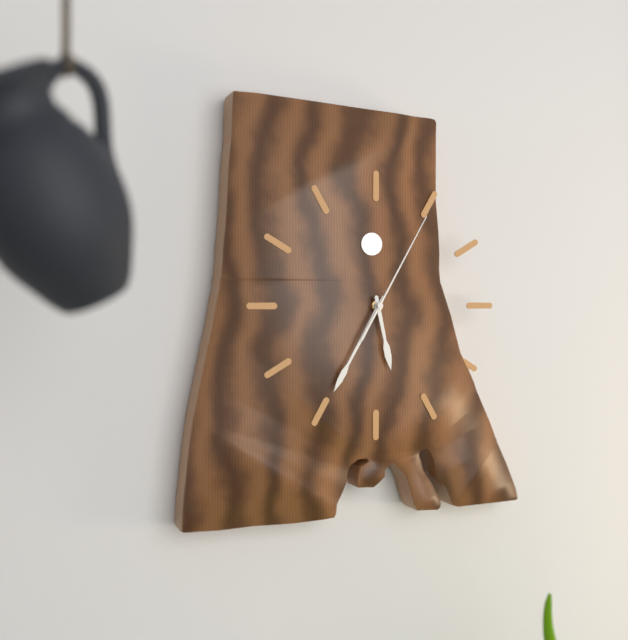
5 h 35 min 05 s
